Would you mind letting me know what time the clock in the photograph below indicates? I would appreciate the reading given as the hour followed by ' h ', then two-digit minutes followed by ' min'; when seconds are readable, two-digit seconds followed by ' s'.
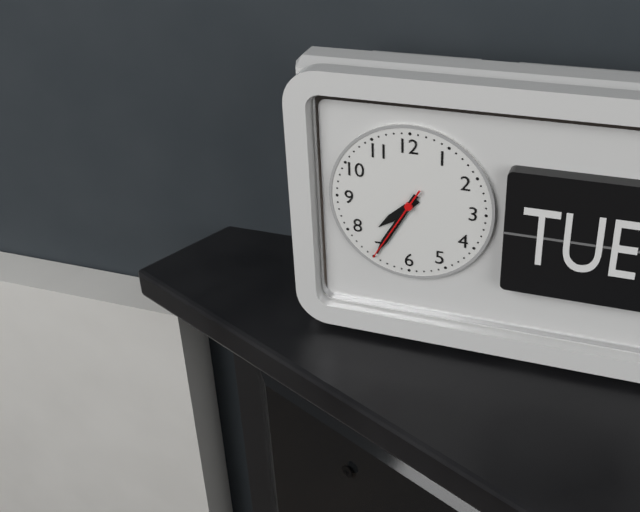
7 h 35 min 35 s
